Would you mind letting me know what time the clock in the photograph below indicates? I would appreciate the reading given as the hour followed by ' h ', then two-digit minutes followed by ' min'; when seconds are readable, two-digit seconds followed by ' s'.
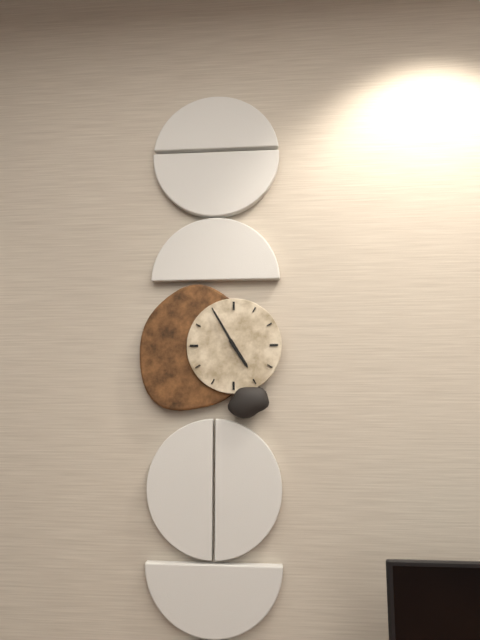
4 h 55 min
